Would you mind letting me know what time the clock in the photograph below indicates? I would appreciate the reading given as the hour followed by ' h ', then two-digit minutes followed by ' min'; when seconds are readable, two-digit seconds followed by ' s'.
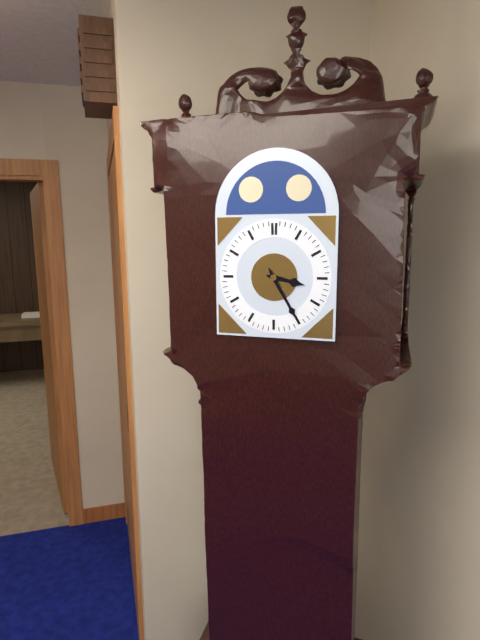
3 h 25 min
